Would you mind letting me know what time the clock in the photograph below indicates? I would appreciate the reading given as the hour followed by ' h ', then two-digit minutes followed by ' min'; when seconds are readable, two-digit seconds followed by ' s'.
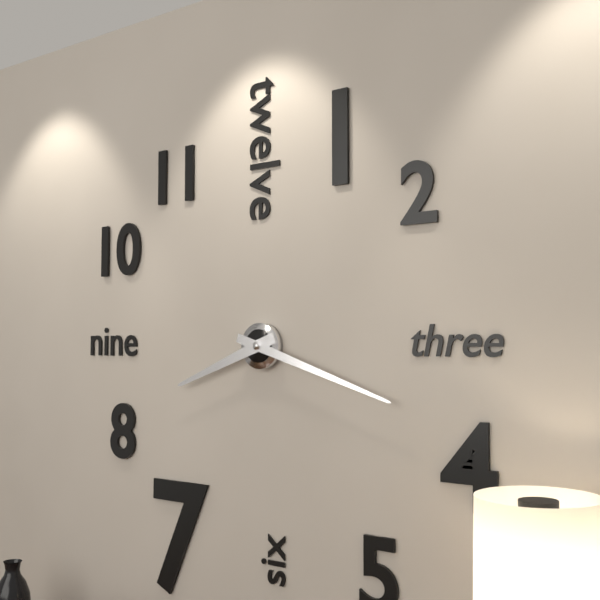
8 h 18 min
